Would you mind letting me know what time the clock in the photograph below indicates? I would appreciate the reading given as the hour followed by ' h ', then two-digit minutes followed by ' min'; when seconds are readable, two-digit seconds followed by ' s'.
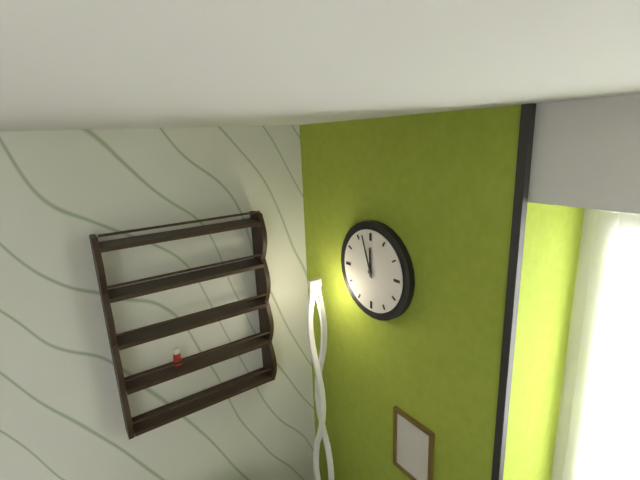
11 h 57 min
